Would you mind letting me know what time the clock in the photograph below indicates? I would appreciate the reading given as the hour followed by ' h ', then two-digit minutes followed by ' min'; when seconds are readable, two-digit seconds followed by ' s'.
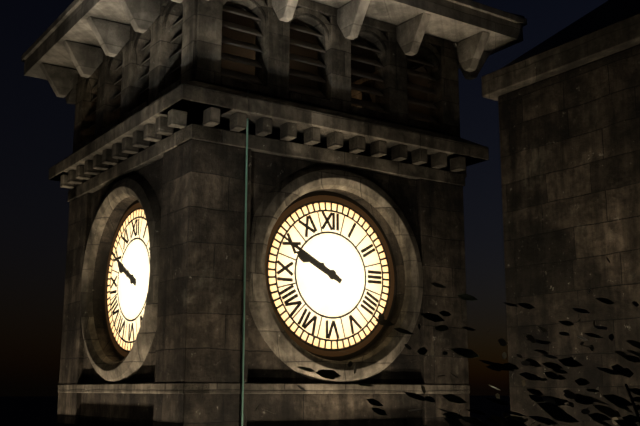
9 h 50 min
